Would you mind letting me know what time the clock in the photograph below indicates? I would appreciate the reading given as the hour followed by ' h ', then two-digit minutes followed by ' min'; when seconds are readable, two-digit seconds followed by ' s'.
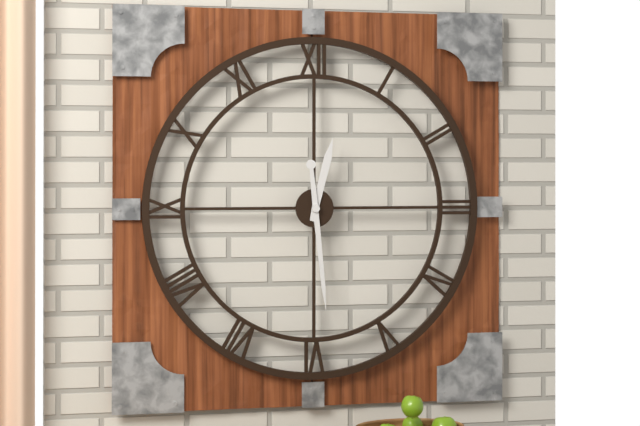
12 h 29 min
